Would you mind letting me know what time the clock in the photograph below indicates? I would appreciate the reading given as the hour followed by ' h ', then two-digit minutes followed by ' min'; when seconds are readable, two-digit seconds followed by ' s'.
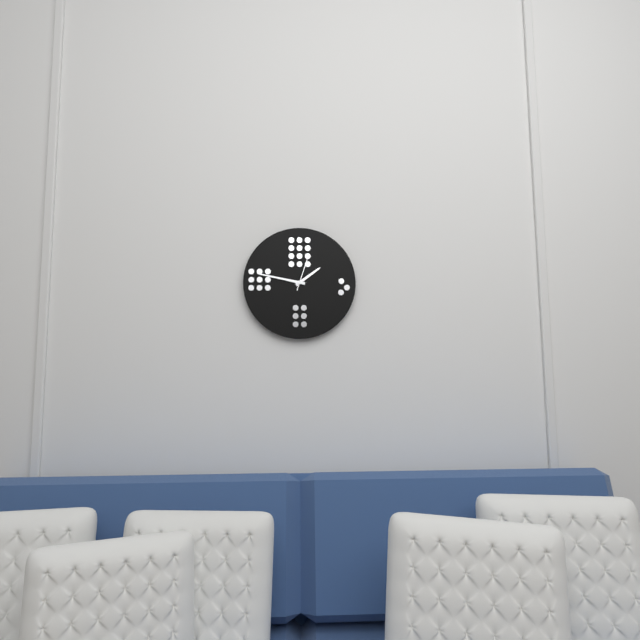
1 h 47 min
